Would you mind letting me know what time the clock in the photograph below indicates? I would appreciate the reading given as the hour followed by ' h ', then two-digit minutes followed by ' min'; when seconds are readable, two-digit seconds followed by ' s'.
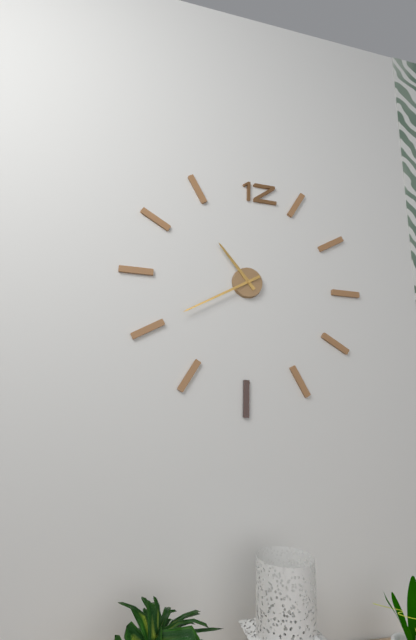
10 h 40 min
